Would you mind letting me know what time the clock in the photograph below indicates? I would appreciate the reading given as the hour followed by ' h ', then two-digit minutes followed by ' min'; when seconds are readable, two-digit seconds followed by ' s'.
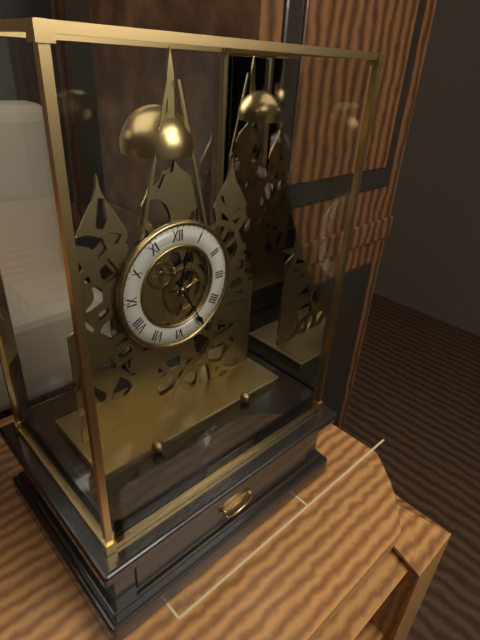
12 h 25 min
